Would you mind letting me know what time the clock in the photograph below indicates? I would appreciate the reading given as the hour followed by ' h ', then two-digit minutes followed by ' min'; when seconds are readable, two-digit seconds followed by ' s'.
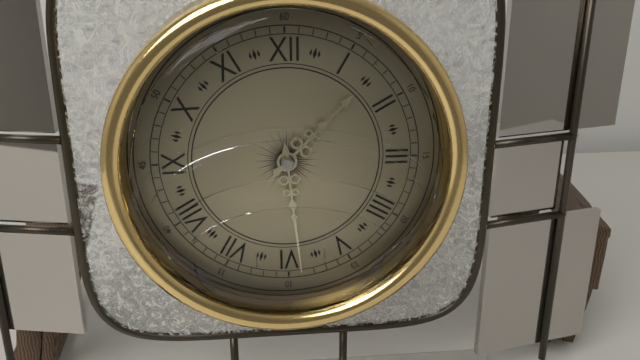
1 h 29 min
